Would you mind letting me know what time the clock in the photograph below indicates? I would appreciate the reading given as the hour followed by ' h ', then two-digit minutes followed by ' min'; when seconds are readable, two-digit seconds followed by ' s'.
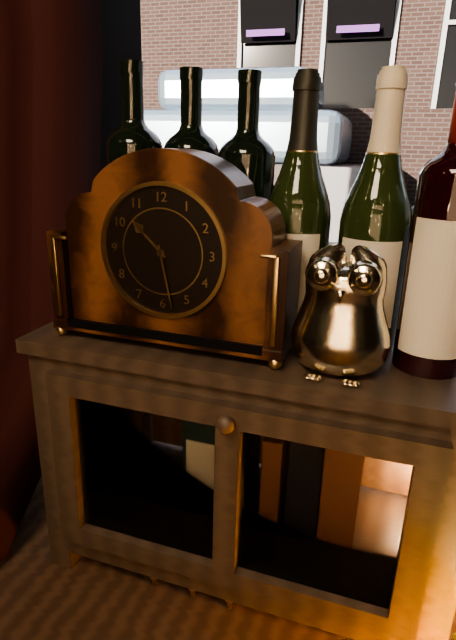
10 h 28 min
